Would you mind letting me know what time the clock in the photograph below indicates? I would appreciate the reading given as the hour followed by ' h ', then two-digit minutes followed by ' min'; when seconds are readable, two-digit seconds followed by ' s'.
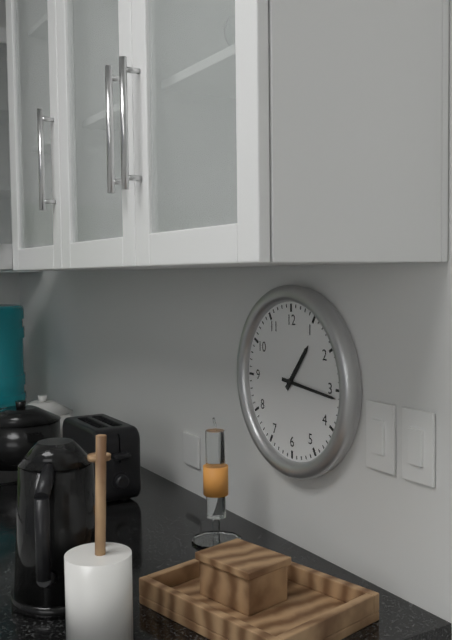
1 h 16 min
